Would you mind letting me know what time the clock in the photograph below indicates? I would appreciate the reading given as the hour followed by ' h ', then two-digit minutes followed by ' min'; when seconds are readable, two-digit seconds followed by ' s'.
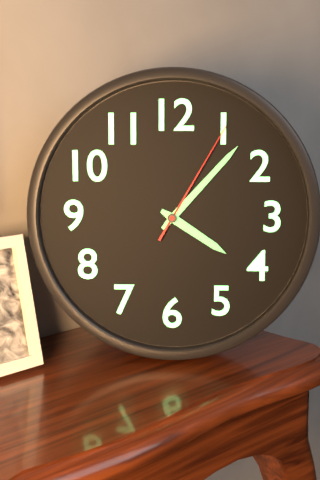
4 h 07 min 05 s
